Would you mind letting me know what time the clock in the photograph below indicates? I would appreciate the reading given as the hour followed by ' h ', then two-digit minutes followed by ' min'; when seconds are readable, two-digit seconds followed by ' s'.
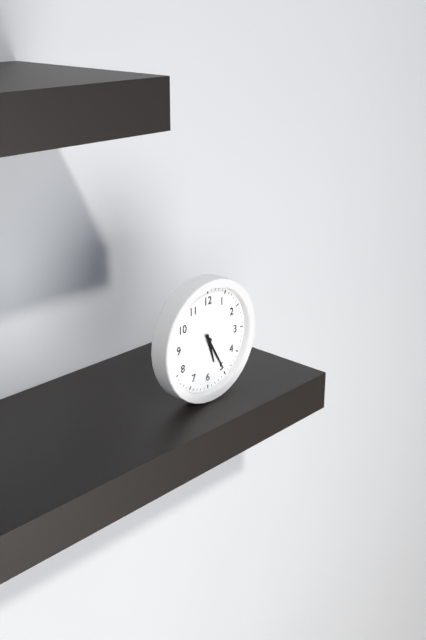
5 h 25 min
